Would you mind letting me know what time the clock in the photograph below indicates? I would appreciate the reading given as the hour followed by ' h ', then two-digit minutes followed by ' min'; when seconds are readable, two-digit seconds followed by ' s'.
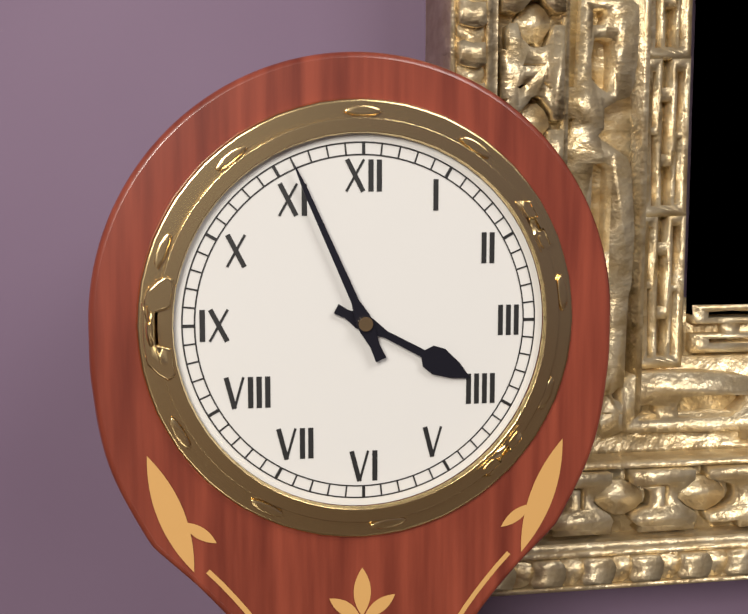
3 h 56 min
